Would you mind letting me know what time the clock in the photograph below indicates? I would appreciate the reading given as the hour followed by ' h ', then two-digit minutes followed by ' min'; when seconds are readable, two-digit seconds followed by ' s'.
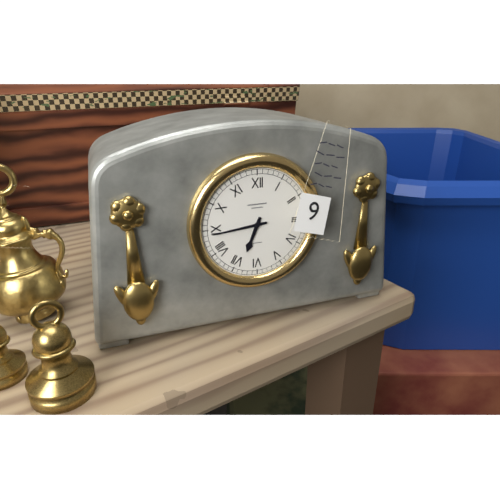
6 h 44 min
